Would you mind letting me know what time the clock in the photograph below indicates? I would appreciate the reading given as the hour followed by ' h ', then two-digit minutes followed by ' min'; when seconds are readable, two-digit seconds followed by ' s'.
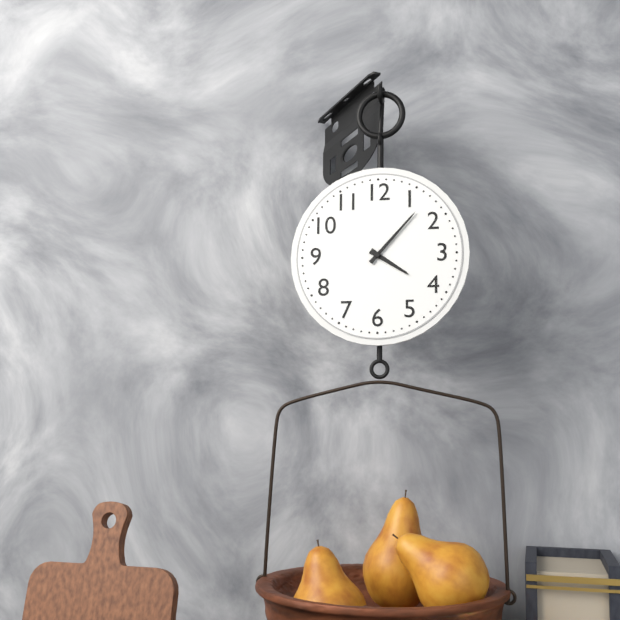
4 h 07 min
